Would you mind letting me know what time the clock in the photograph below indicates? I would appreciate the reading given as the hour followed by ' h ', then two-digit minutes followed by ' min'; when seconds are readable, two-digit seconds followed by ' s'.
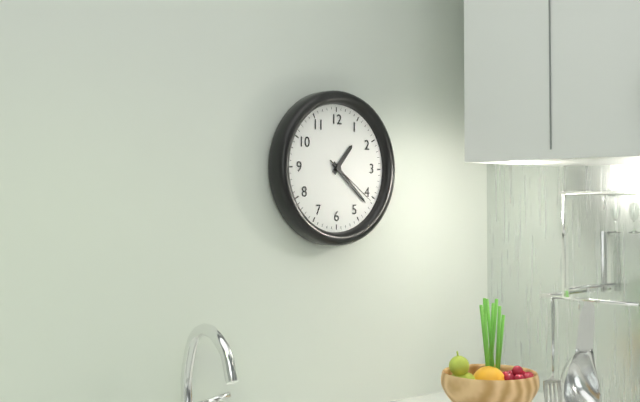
1 h 22 min 21 s
